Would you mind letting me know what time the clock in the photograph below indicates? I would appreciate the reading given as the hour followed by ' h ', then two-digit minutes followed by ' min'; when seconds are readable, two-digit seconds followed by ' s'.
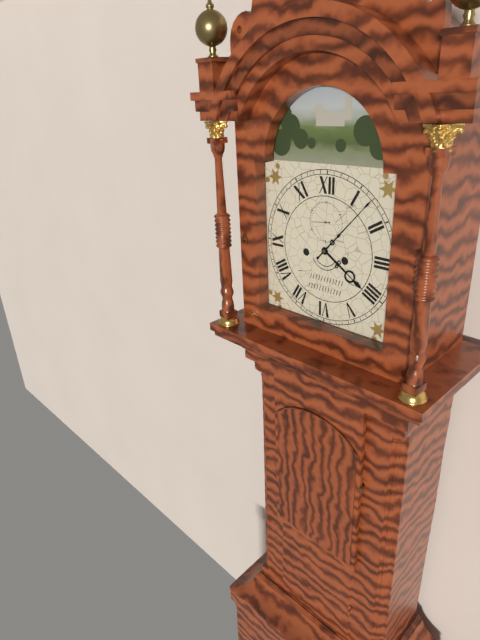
4 h 07 min
